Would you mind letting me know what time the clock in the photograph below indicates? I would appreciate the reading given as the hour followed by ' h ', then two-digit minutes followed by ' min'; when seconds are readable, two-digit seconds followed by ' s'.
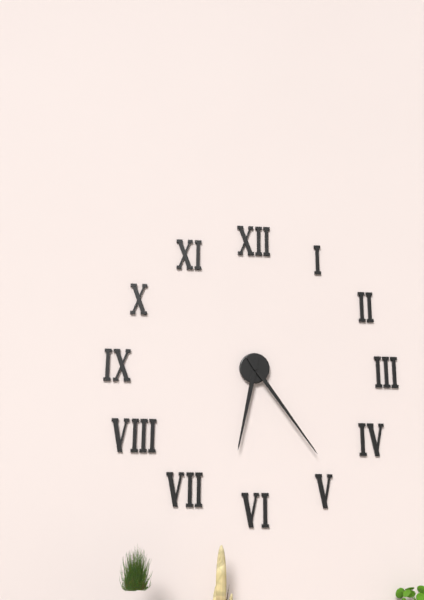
6 h 24 min
